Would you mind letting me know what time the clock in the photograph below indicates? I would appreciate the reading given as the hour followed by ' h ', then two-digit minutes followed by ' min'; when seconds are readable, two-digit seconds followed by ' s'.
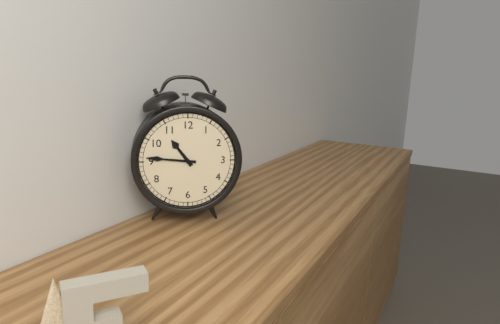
10 h 46 min
